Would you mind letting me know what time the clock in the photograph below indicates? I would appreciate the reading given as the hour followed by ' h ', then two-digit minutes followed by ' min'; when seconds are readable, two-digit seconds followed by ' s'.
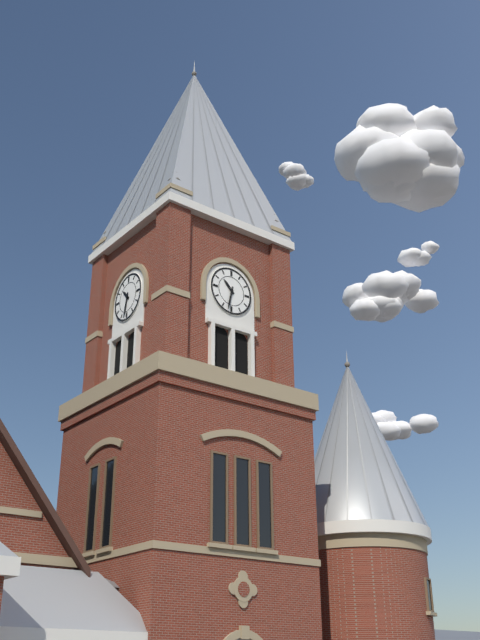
10 h 32 min
